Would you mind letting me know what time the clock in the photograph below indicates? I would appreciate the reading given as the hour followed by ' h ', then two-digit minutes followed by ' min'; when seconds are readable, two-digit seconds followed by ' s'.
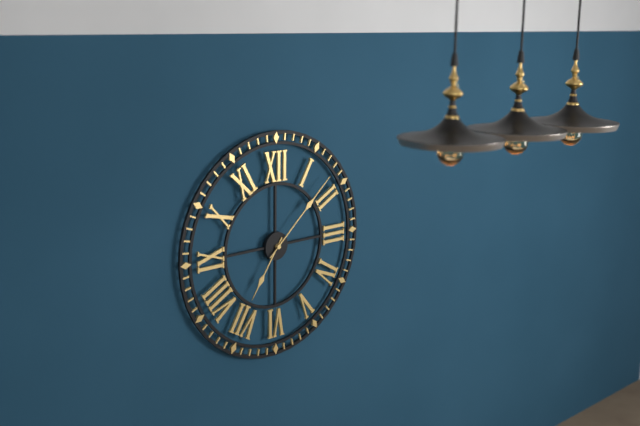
7 h 08 min
